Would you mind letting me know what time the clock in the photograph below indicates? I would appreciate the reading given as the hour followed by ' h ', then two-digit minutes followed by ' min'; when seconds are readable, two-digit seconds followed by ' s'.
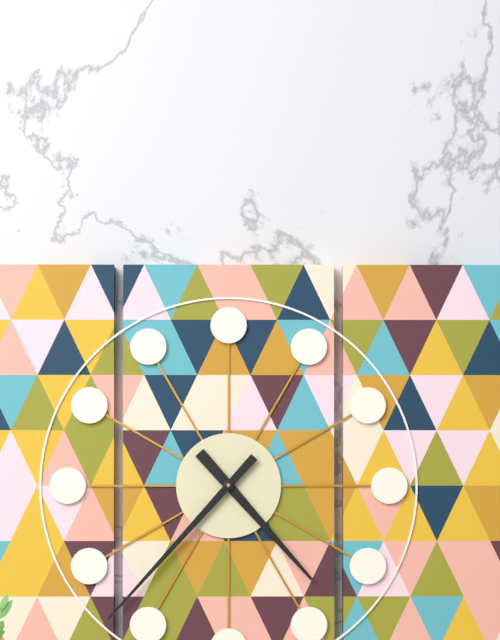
4 h 37 min
